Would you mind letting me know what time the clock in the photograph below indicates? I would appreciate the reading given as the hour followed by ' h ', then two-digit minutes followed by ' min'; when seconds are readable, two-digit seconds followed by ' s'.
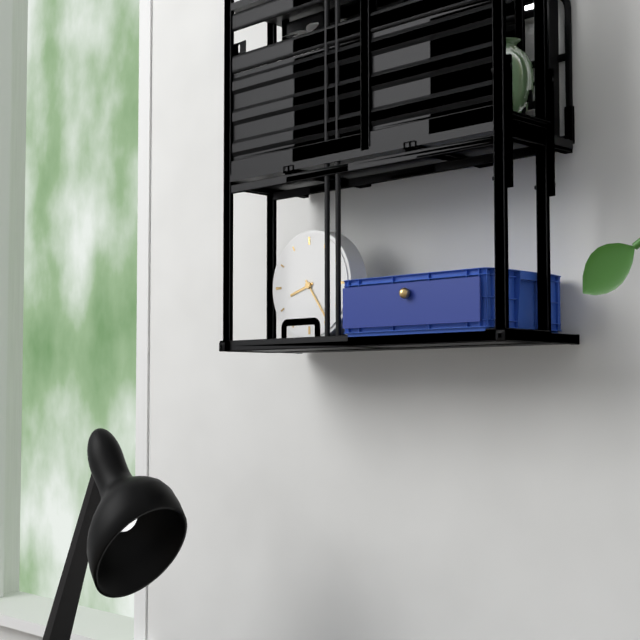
8 h 24 min
